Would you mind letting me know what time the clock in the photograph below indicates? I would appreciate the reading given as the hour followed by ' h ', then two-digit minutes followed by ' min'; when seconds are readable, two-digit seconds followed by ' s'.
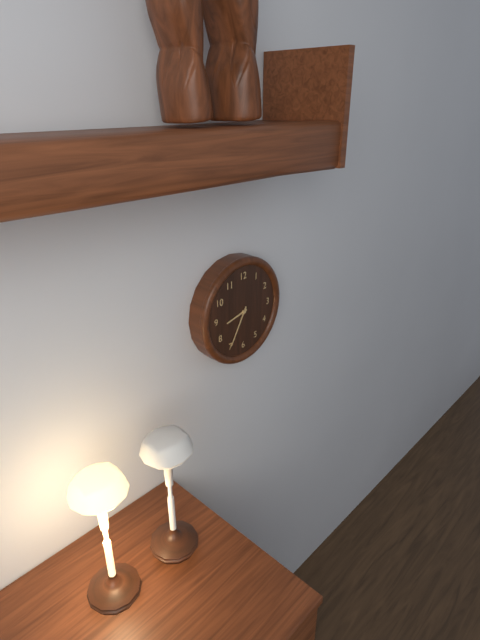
8 h 35 min
